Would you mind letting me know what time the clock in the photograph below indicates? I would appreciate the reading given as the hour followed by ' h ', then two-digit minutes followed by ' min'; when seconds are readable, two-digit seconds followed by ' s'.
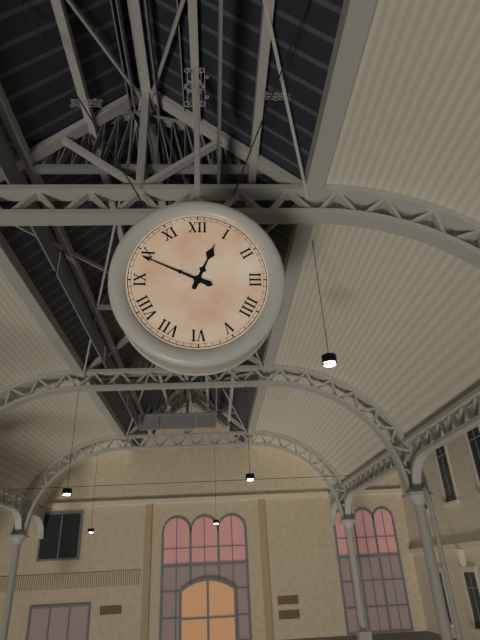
12 h 49 min
